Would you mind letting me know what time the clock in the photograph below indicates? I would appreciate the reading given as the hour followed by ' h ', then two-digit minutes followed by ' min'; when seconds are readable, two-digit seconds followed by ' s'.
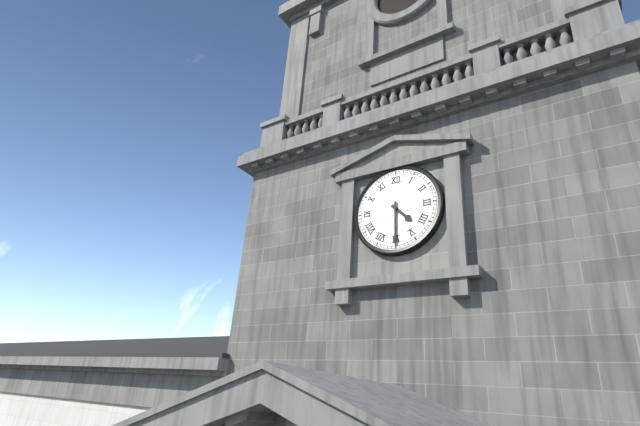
4 h 30 min
